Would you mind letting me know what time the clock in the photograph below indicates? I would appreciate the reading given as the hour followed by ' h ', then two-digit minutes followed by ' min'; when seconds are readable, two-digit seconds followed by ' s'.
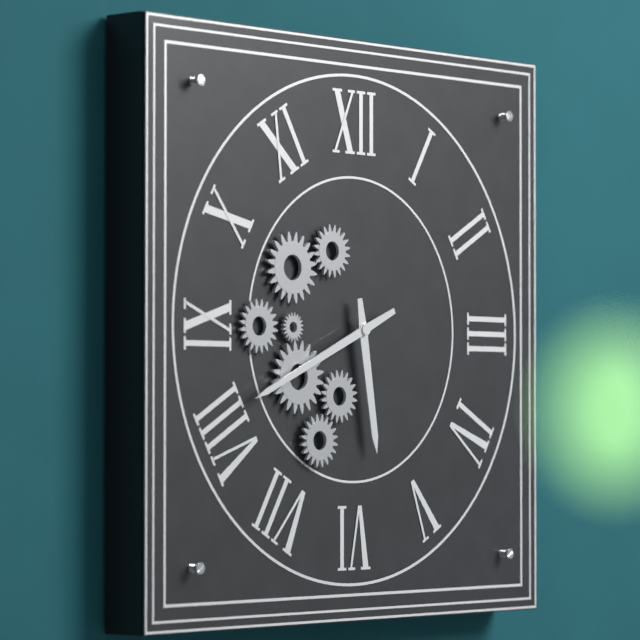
5 h 41 min
